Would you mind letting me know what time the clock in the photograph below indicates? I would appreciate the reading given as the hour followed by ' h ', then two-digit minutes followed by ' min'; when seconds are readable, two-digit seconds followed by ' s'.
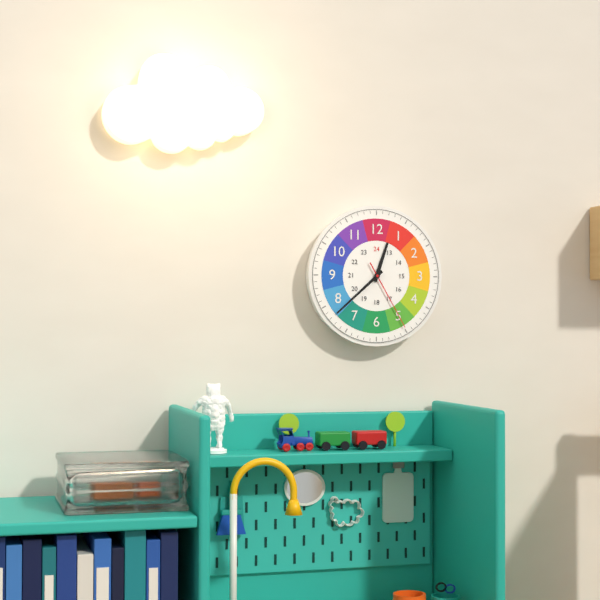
12 h 38 min 25 s
